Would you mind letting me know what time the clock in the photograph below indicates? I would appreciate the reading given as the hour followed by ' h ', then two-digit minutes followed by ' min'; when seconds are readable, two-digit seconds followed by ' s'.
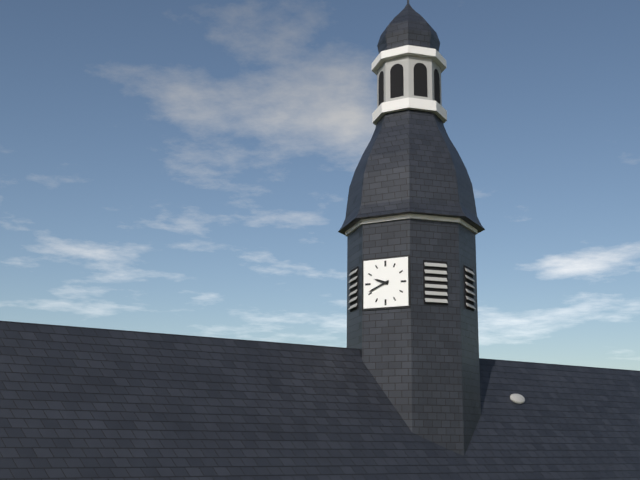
9 h 41 min
